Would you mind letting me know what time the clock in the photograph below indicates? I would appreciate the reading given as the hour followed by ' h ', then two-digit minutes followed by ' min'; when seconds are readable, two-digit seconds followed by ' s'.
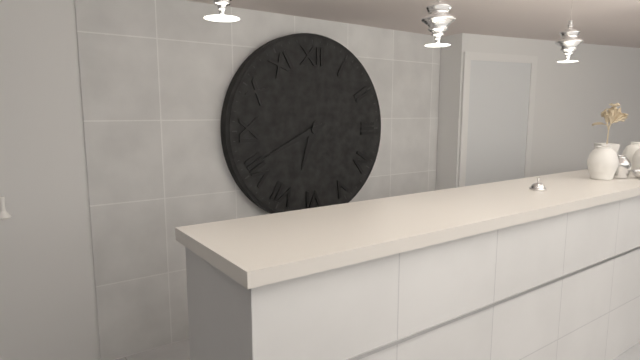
6 h 41 min
